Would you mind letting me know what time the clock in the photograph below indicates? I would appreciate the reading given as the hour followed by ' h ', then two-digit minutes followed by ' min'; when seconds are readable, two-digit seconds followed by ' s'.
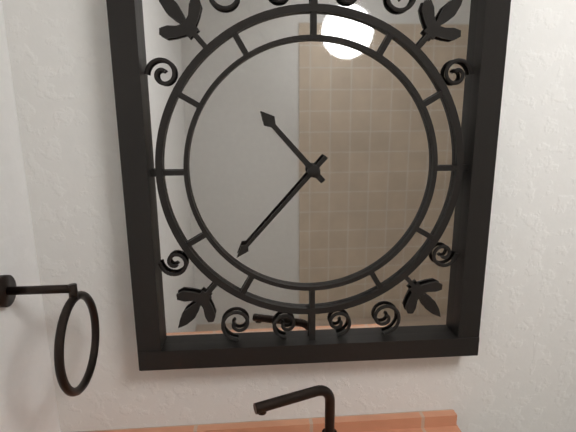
10 h 37 min
